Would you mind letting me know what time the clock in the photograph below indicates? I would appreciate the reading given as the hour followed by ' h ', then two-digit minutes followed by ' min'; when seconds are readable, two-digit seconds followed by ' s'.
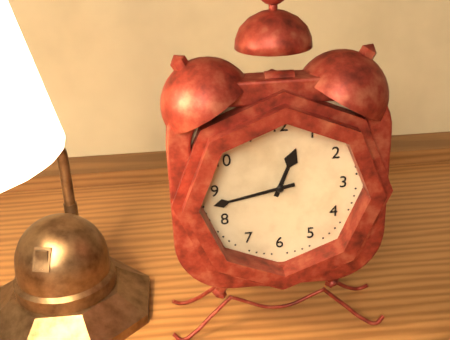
12 h 43 min
